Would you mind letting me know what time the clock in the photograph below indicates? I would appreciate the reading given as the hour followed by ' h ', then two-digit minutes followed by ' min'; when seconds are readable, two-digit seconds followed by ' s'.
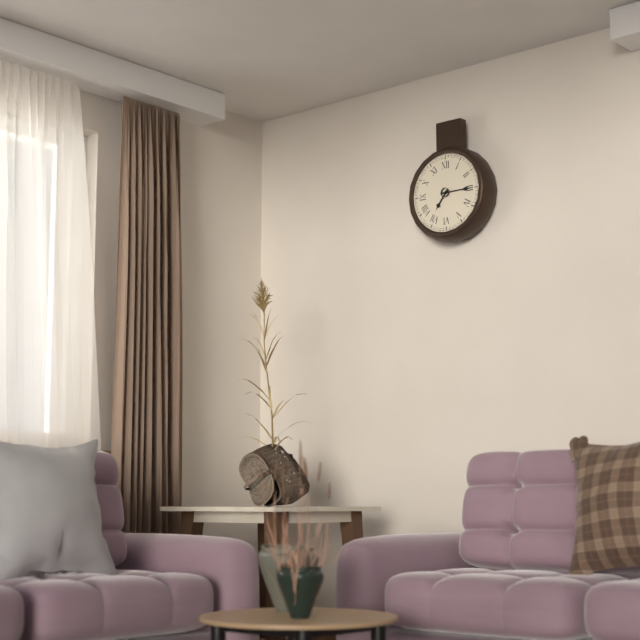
7 h 15 min
